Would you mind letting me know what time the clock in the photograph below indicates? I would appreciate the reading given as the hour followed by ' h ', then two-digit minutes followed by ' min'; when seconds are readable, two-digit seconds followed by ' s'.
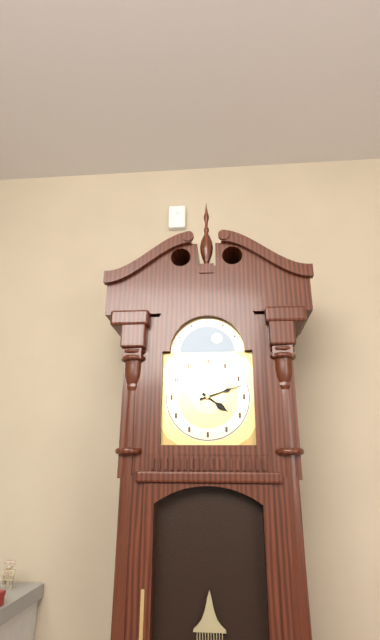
4 h 12 min
